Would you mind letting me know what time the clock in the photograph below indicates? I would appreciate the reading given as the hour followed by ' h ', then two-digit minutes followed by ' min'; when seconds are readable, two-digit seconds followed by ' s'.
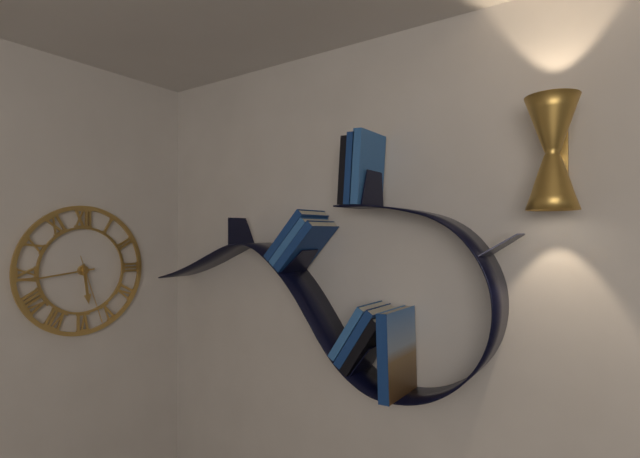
5 h 44 min 27 s
